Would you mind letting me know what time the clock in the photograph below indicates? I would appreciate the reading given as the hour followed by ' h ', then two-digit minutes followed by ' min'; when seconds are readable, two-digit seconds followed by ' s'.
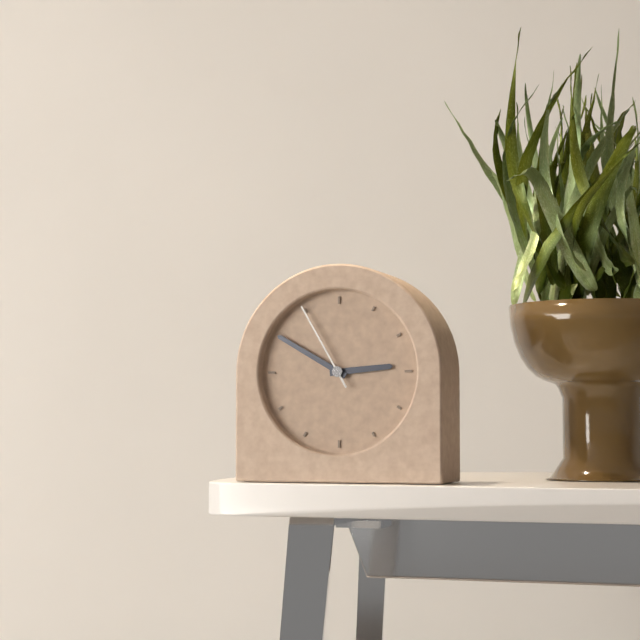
2 h 50 min 55 s
